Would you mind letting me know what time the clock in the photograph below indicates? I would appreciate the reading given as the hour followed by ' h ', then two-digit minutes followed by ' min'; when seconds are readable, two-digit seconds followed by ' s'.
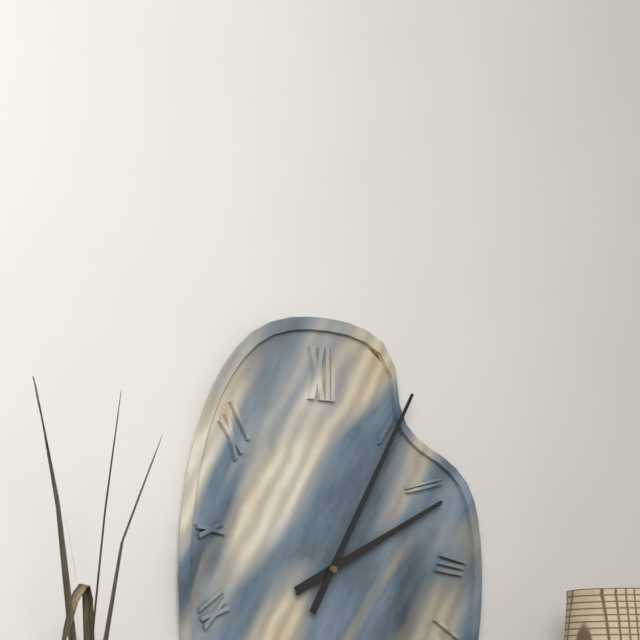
2 h 05 min
